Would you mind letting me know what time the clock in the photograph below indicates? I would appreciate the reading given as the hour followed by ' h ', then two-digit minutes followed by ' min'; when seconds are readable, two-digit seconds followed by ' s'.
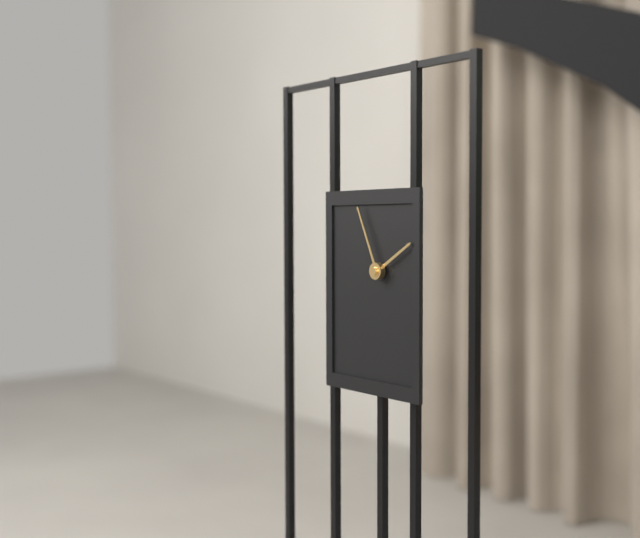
1 h 56 min
